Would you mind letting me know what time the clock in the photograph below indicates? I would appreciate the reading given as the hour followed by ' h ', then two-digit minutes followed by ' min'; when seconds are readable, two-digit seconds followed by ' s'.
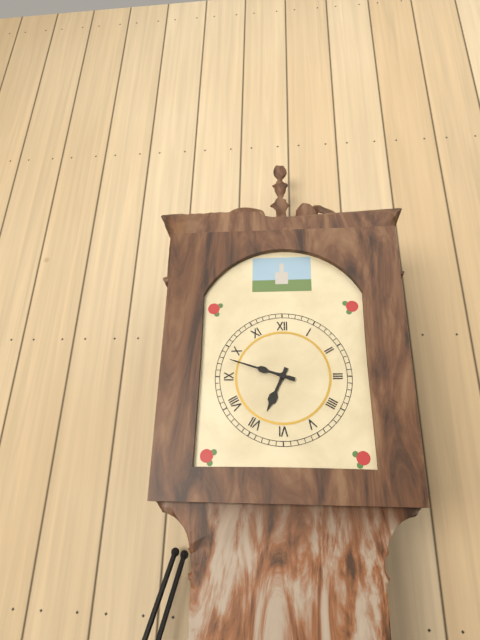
6 h 48 min
